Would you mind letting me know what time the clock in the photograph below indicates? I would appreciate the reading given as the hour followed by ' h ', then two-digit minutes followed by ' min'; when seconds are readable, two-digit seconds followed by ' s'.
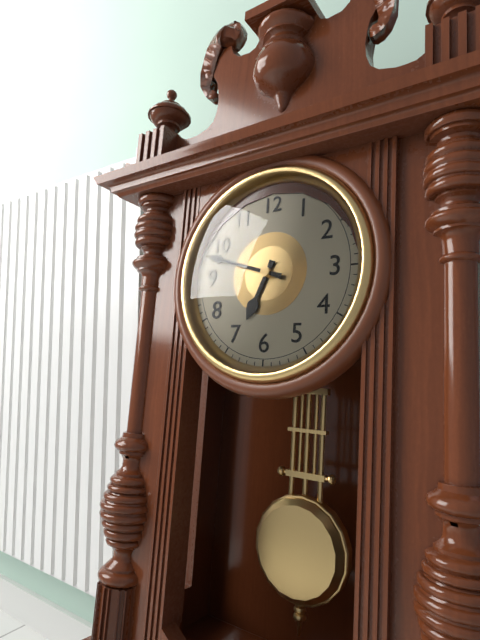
6 h 48 min
